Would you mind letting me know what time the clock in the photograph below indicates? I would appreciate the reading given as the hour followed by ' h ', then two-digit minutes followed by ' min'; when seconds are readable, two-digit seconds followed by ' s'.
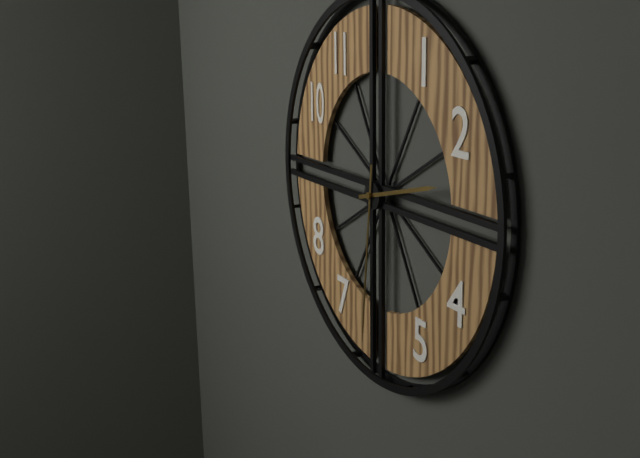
2 h 31 min
